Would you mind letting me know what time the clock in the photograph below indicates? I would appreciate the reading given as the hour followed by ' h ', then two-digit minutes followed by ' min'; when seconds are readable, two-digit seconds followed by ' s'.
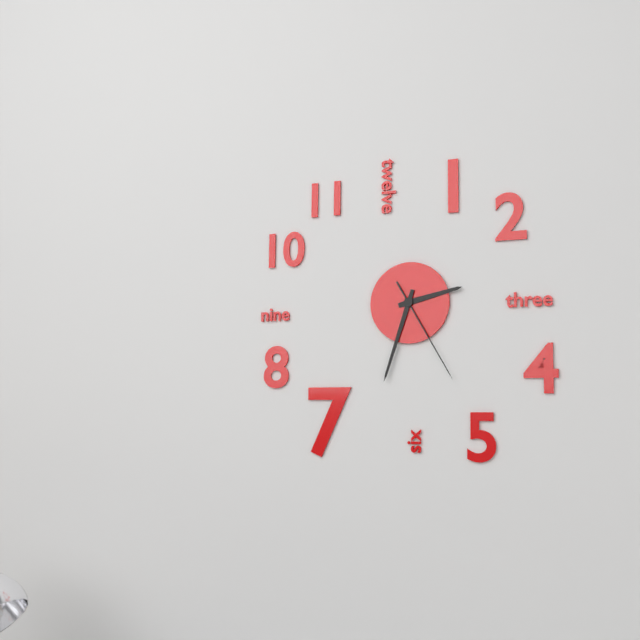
2 h 33 min 25 s
